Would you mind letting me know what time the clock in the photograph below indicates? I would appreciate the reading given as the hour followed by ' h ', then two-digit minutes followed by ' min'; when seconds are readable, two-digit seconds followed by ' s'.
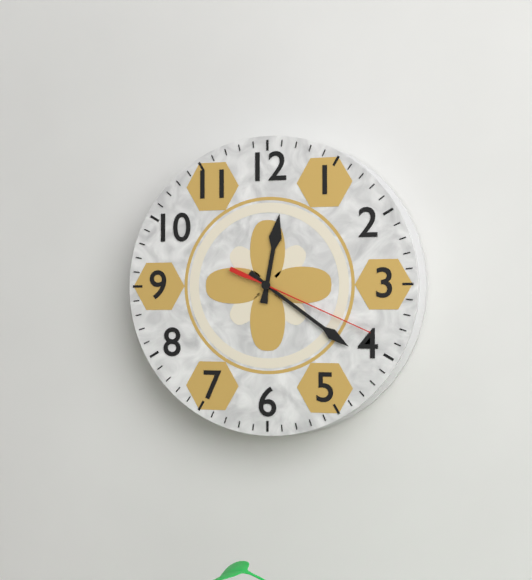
12 h 21 min 19 s
